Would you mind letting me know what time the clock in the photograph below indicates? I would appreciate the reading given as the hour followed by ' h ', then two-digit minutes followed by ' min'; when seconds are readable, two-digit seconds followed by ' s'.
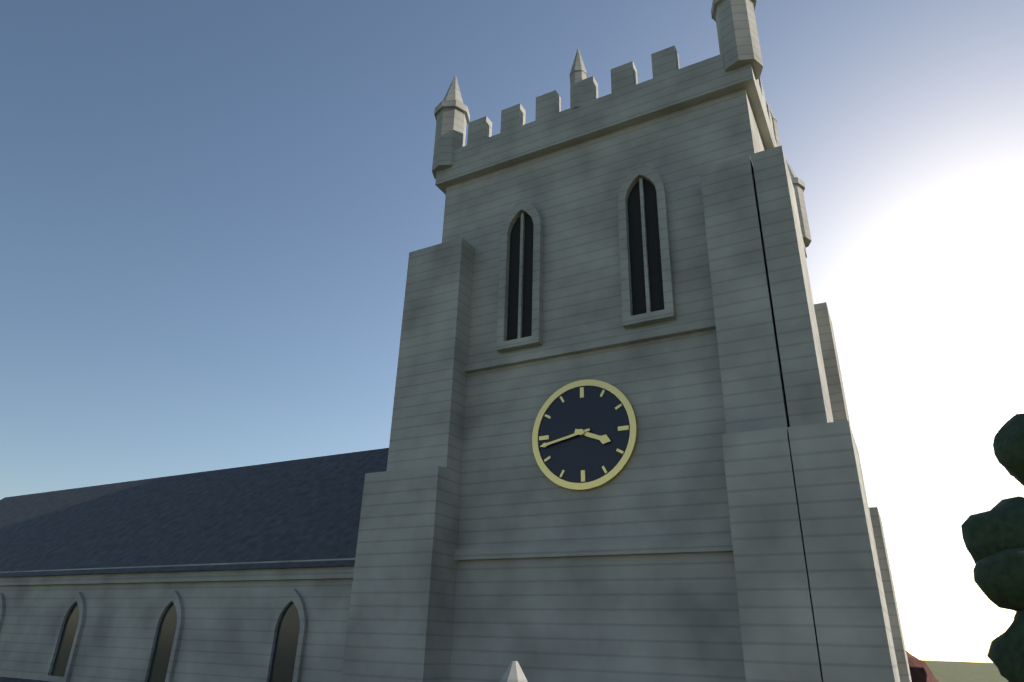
3 h 43 min
